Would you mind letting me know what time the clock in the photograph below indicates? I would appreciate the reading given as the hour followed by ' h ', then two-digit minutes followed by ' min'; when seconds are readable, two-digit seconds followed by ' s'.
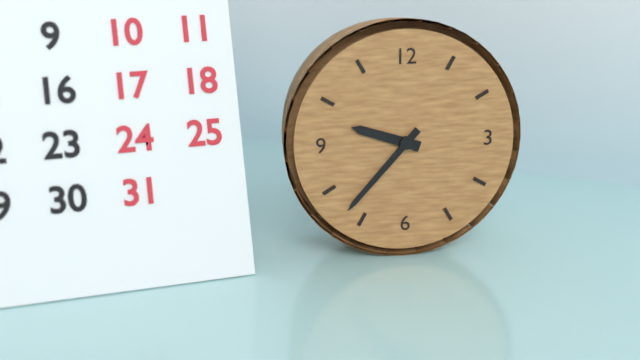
9 h 37 min
